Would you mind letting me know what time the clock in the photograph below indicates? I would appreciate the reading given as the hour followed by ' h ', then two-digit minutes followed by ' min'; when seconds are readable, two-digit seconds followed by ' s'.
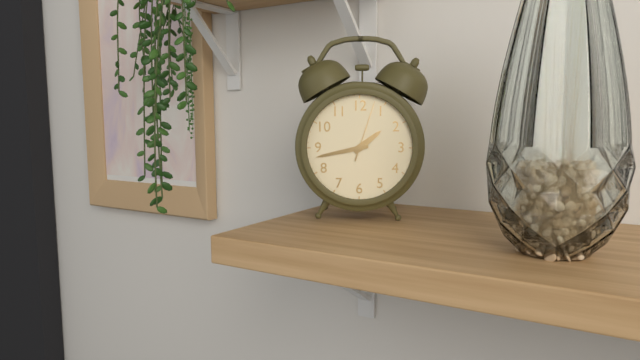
1 h 43 min 03 s
